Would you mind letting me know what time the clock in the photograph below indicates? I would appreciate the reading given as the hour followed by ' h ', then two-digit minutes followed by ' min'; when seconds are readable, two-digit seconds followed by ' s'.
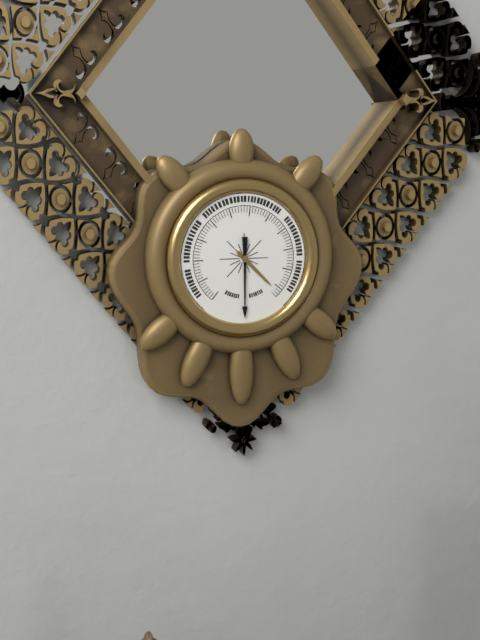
4 h 30 min
